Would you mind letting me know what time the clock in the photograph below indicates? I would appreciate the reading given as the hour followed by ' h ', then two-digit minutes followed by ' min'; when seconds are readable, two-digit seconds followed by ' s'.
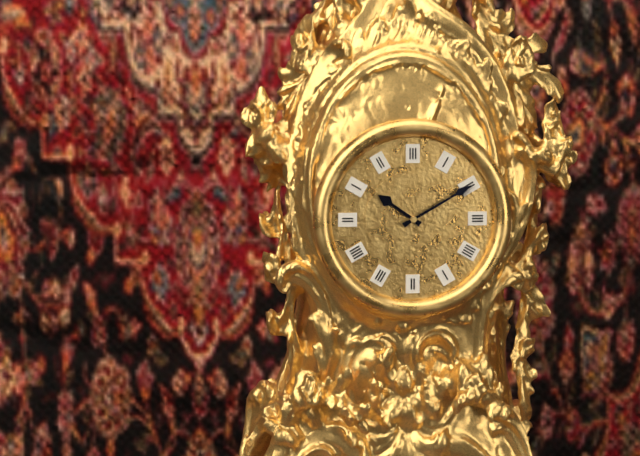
10 h 10 min
